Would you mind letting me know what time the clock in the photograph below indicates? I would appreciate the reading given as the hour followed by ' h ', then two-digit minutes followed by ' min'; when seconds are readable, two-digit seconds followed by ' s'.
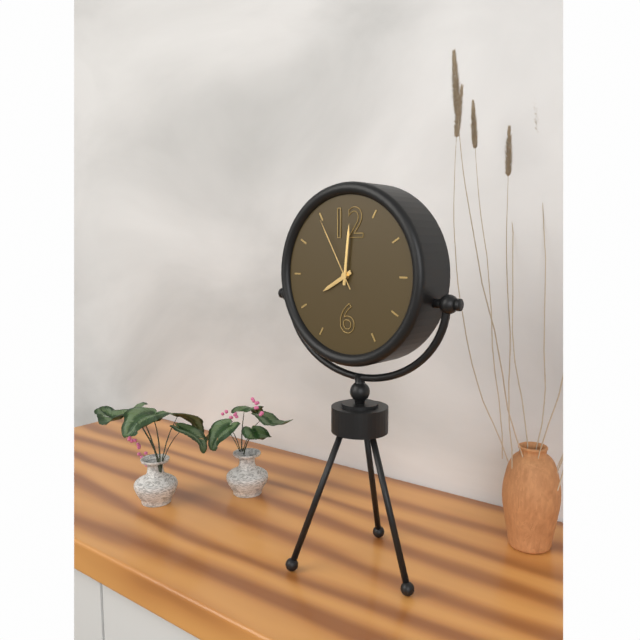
8 h 01 min 55 s
